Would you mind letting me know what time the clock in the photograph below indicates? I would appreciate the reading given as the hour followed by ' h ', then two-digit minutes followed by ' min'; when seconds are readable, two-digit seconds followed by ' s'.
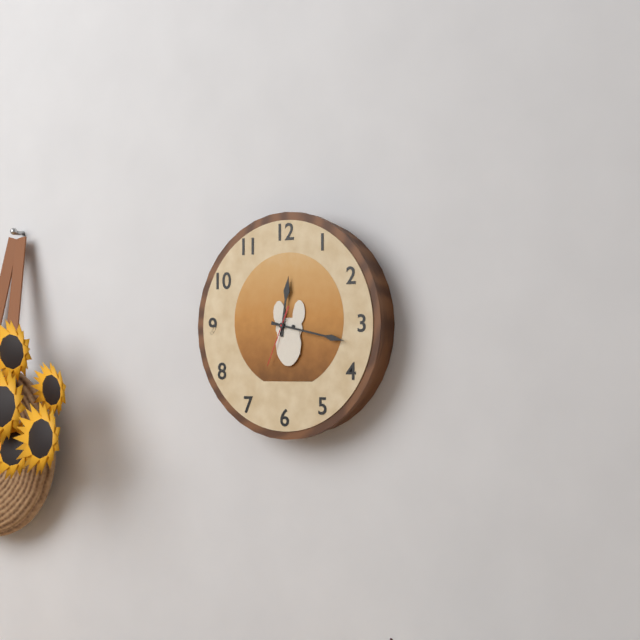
12 h 17 min 34 s
